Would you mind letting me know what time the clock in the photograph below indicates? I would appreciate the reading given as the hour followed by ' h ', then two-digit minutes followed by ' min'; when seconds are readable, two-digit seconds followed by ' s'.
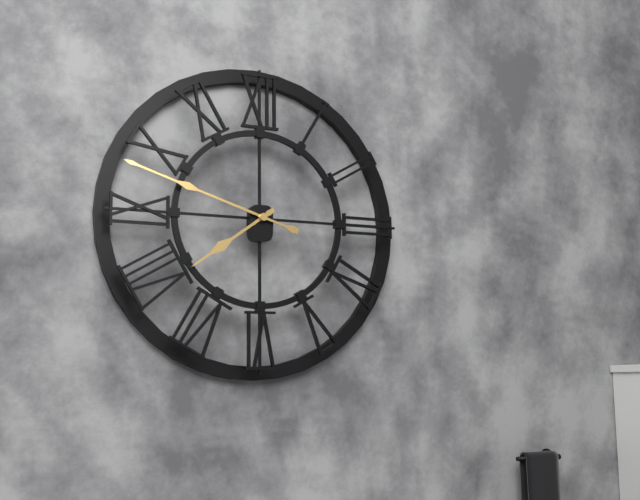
7 h 48 min
